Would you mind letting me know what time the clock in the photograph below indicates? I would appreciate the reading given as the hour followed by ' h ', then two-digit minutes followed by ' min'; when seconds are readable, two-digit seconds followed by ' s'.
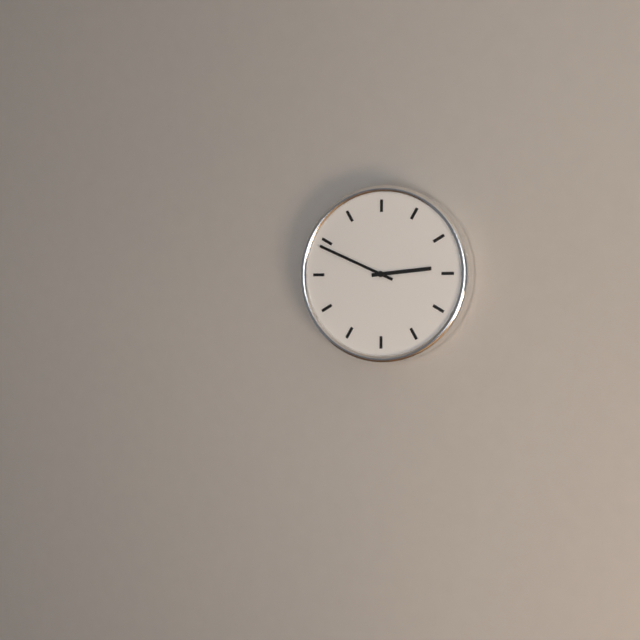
2 h 49 min
